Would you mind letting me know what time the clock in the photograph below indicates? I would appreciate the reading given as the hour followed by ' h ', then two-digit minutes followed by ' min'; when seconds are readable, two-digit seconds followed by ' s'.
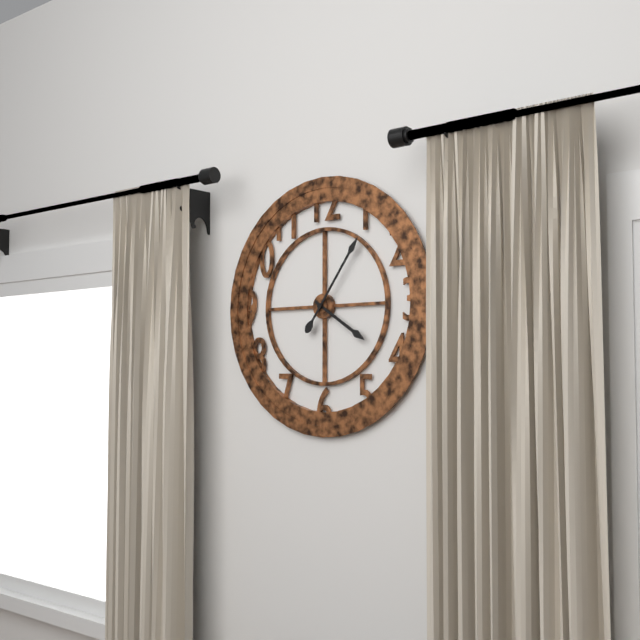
4 h 06 min
